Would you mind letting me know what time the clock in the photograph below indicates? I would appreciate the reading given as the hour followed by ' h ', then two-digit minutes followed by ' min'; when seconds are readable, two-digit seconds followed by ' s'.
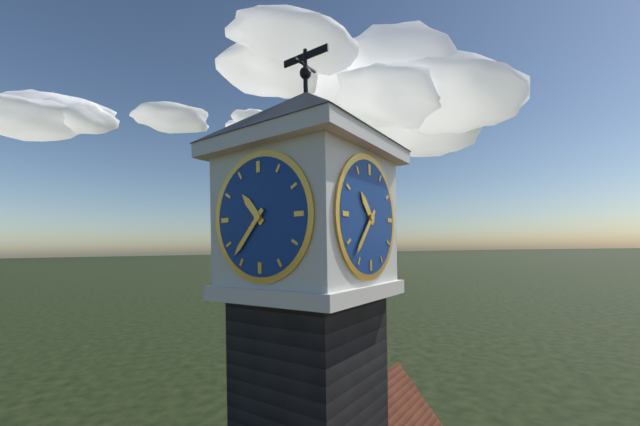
10 h 37 min
